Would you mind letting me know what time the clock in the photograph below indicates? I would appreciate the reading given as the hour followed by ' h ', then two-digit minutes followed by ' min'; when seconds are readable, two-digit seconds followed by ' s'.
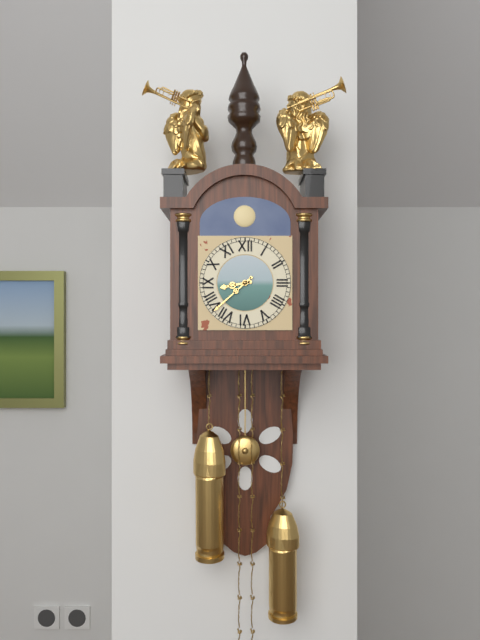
8 h 38 min
